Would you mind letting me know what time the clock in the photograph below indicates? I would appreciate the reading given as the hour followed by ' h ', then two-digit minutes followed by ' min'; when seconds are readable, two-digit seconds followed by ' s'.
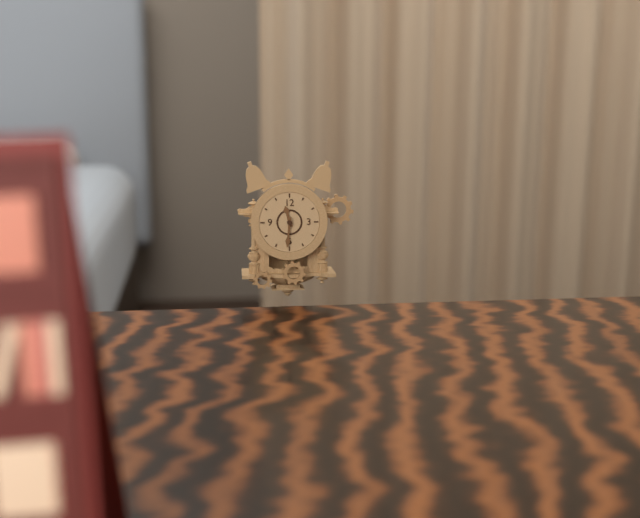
11 h 31 min
